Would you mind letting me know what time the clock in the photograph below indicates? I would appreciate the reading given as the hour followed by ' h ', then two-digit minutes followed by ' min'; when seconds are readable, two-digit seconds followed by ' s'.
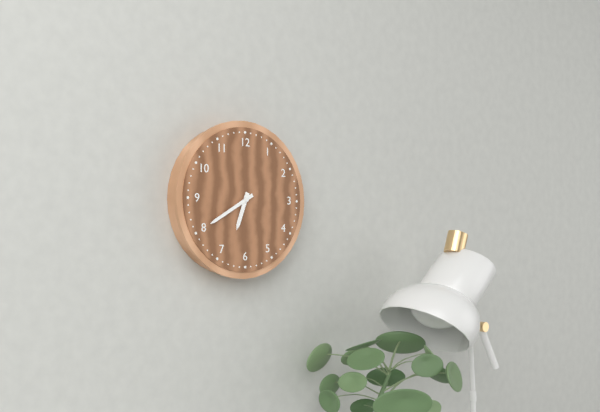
6 h 40 min
